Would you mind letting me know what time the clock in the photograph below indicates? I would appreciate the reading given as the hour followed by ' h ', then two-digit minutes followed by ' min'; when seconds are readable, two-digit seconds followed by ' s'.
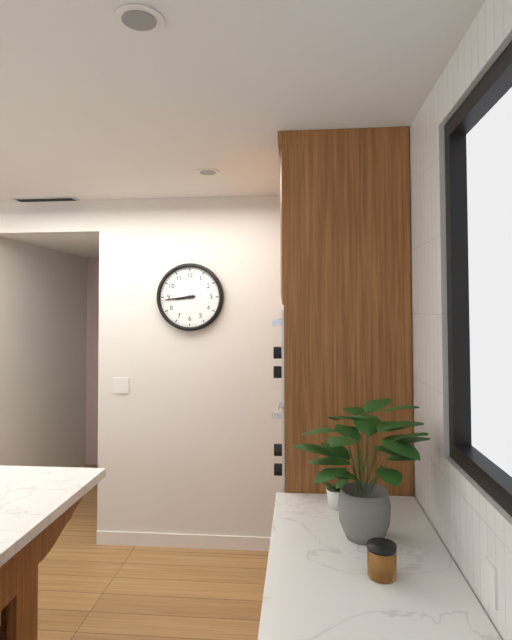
8 h 44 min
